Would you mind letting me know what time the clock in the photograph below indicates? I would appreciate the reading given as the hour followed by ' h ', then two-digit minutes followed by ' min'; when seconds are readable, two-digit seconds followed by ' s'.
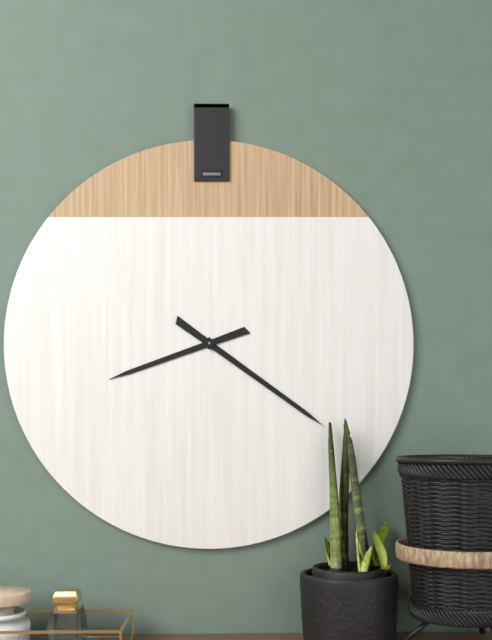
8 h 21 min
